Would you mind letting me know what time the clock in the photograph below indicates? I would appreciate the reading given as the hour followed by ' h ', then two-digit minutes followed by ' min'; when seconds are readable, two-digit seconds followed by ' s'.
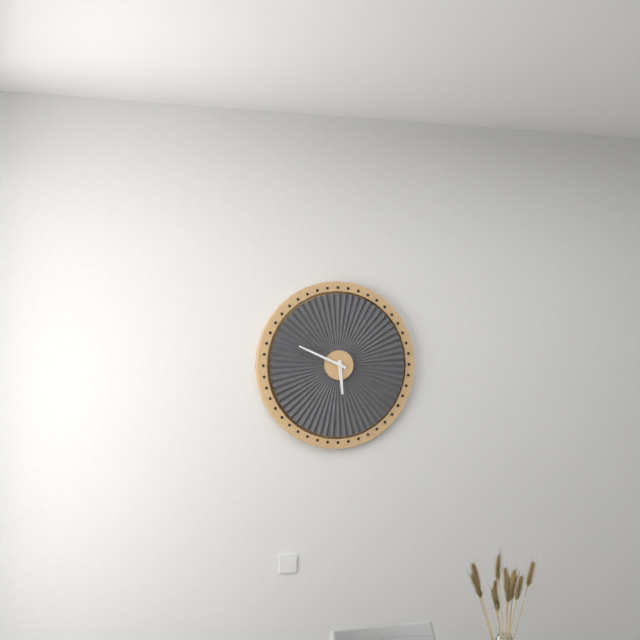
5 h 49 min
